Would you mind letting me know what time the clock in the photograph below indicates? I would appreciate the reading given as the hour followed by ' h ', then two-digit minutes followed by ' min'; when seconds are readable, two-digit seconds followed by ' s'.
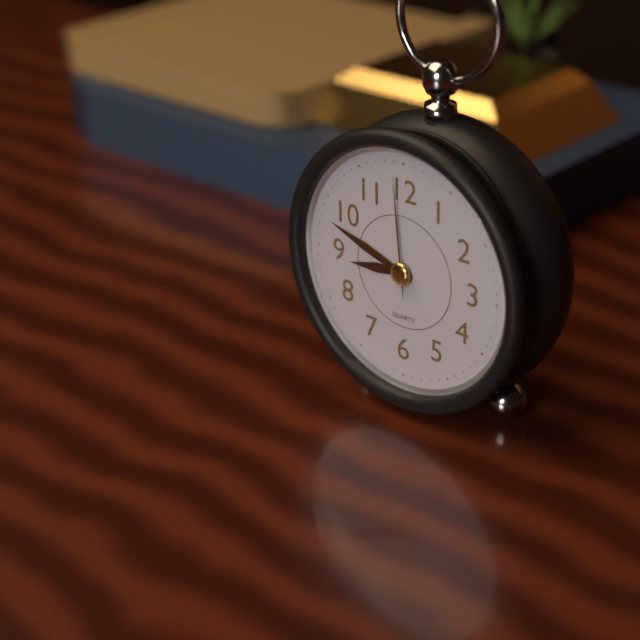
8 h 48 min 59 s
